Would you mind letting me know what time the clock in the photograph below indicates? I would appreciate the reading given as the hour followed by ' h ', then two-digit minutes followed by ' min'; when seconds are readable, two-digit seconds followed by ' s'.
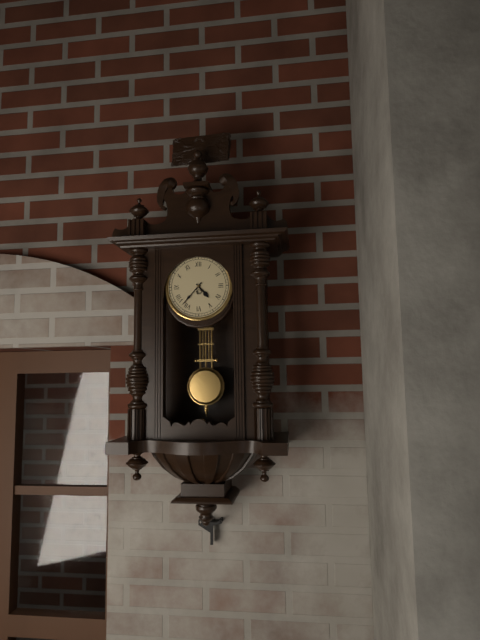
4 h 37 min
